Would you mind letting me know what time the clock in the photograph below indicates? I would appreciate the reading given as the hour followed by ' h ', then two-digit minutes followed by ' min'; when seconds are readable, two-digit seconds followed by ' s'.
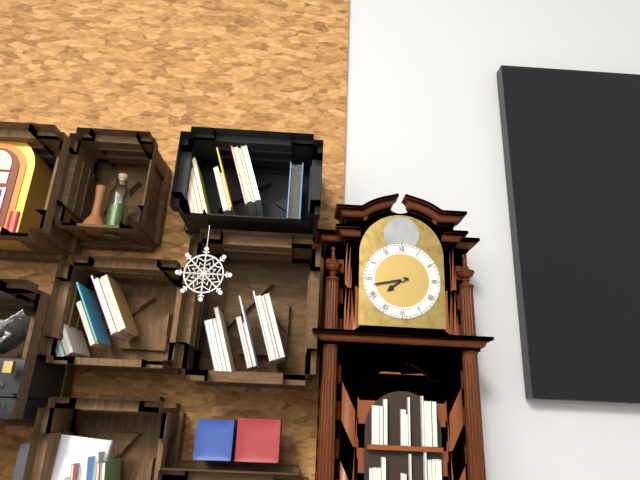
7 h 43 min
